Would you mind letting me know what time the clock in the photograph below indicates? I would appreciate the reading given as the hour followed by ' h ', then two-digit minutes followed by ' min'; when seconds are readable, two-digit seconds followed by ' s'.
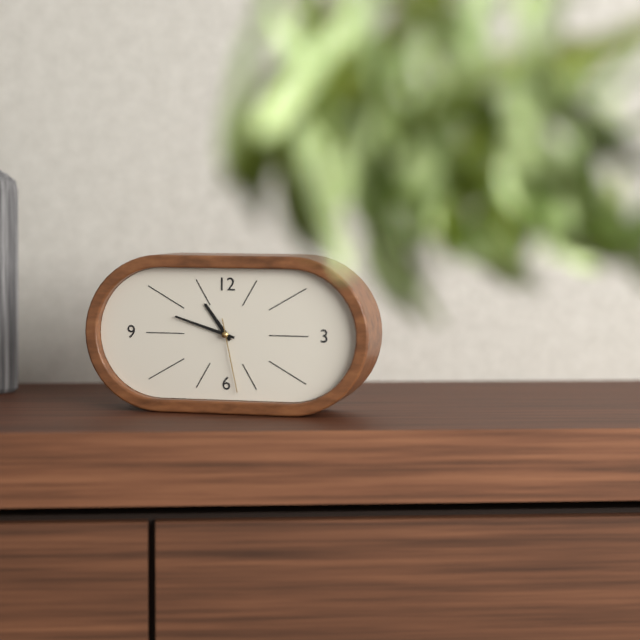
10 h 48 min 28 s
